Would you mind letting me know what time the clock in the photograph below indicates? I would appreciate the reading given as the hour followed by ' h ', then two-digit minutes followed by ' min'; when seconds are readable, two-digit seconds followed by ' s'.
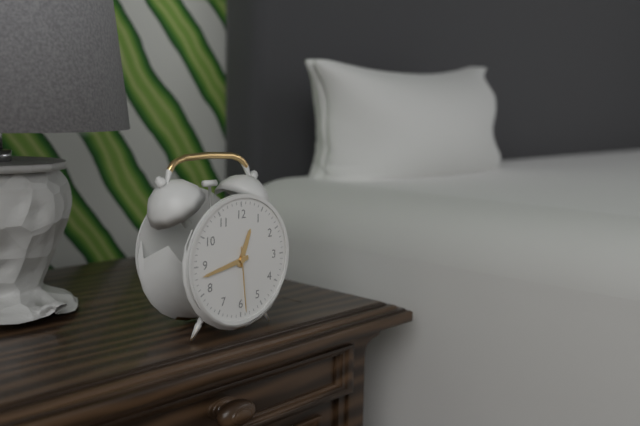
12 h 43 min 29 s
